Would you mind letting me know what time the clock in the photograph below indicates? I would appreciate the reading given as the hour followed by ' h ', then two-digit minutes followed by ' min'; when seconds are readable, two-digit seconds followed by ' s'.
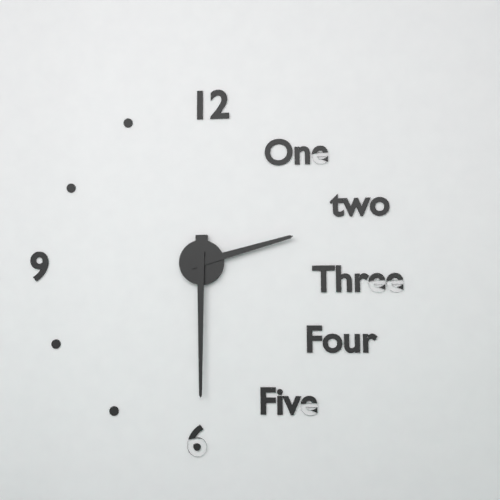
2 h 30 min
